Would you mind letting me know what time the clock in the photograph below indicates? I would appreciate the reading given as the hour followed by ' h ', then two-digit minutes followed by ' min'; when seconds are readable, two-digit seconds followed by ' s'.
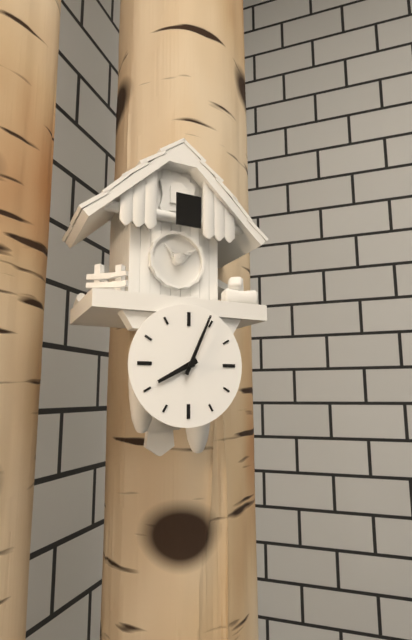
8 h 04 min
